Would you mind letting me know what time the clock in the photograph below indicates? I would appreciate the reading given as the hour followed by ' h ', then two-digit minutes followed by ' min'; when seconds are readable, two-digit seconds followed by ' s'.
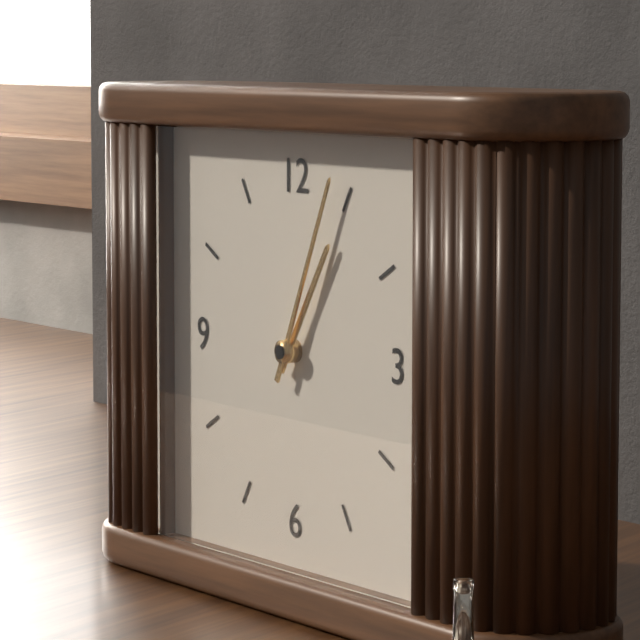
1 h 04 min
